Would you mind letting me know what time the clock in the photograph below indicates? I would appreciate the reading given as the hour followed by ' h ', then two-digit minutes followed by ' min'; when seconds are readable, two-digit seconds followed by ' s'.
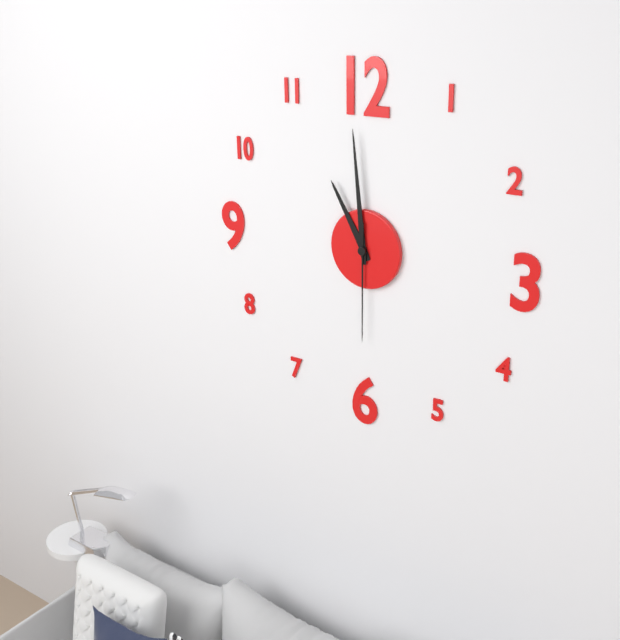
10 h 59 min 30 s
